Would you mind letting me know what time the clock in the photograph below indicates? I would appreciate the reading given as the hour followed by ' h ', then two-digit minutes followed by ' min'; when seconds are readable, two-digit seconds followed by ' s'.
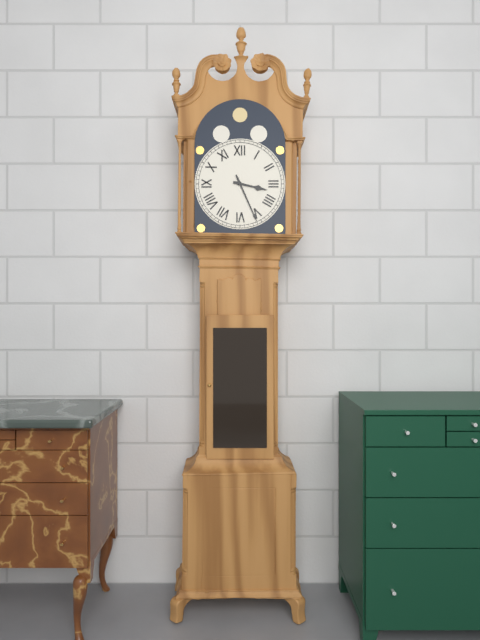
3 h 26 min
